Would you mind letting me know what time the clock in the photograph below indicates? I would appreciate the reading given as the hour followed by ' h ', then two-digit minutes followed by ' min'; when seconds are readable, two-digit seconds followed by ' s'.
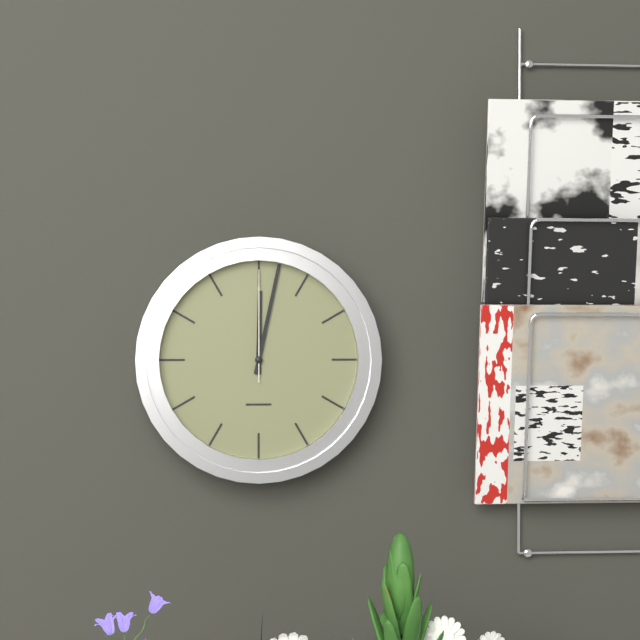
12 h 02 min 00 s
